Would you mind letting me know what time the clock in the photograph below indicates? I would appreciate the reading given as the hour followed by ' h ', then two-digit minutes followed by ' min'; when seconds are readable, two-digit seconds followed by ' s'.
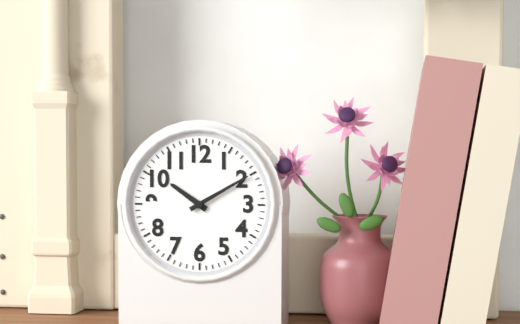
10 h 10 min
